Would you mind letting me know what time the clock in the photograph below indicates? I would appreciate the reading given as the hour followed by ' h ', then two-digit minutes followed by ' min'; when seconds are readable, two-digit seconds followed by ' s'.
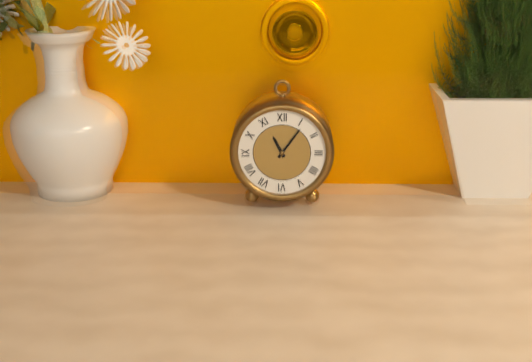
11 h 06 min
